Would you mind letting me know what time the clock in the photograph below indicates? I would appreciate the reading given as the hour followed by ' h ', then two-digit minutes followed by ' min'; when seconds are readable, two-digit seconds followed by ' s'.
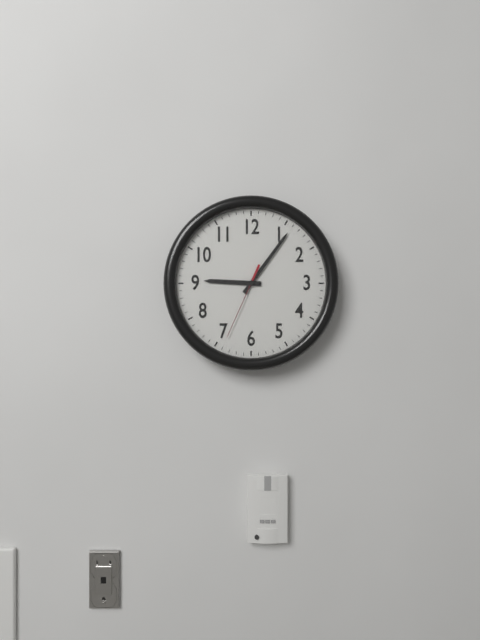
9 h 06 min 34 s
